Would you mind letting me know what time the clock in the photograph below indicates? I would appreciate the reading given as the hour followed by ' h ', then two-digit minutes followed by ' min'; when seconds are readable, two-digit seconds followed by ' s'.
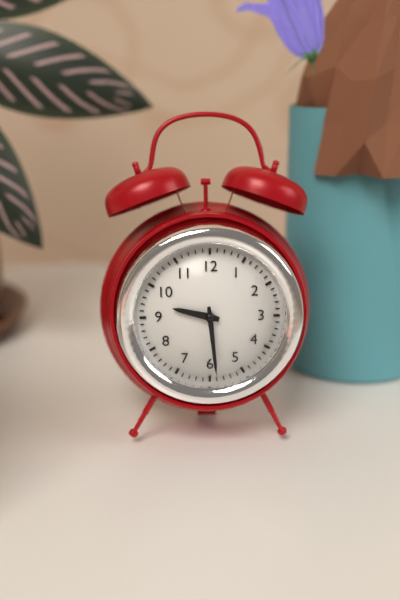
9 h 29 min
